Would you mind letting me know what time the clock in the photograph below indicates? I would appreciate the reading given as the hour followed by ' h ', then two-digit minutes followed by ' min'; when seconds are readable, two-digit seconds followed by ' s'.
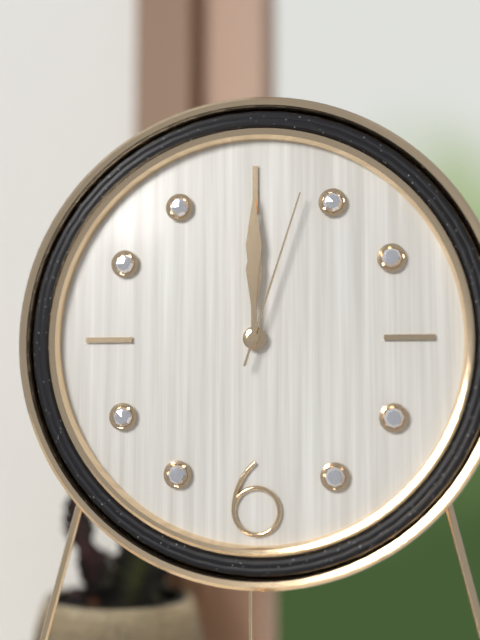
12 h 00 min 03 s
